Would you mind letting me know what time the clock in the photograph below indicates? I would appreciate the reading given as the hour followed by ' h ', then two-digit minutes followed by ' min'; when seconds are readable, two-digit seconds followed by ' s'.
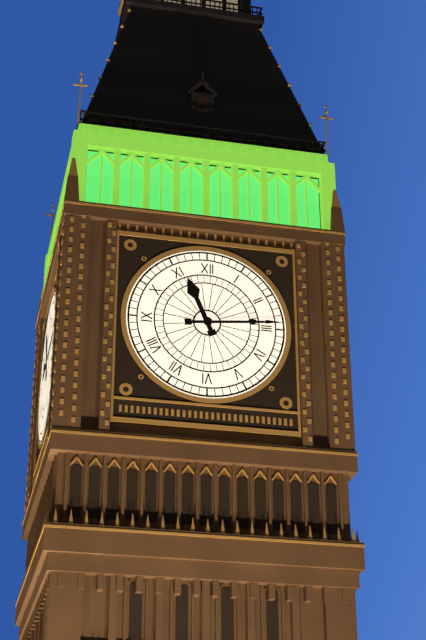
11 h 14 min
